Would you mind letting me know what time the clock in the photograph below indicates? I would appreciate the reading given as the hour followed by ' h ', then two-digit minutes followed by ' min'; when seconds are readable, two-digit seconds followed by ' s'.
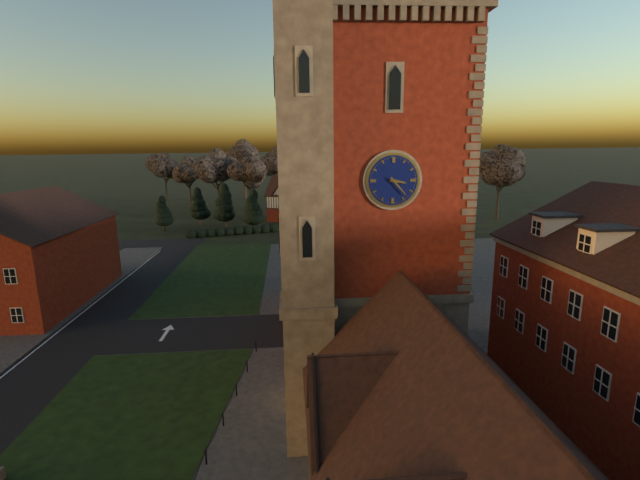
3 h 23 min
